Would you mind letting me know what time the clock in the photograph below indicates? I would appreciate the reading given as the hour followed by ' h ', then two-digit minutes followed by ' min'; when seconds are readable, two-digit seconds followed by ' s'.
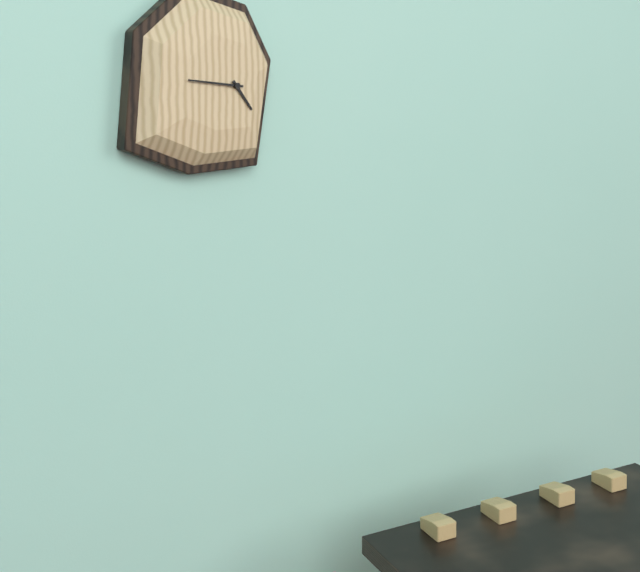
4 h 46 min
